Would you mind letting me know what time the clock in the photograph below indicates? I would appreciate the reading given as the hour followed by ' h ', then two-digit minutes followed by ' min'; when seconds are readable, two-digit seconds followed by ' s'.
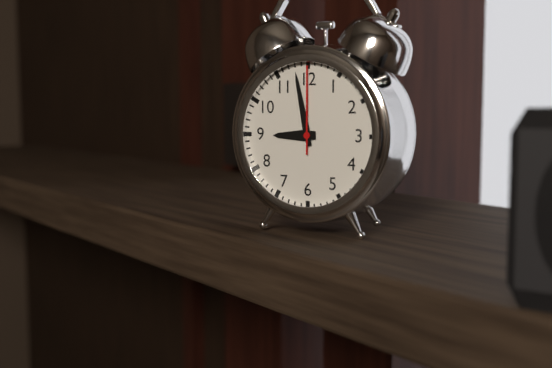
8 h 58 min 00 s
